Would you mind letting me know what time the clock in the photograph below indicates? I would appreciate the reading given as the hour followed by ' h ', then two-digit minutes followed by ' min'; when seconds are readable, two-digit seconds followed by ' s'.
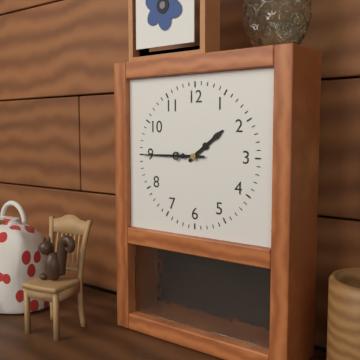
1 h 45 min
